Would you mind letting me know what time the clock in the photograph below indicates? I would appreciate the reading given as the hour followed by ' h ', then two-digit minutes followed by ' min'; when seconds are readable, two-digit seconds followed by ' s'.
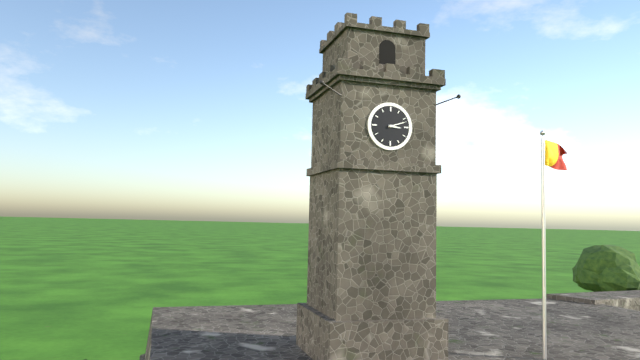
3 h 12 min
